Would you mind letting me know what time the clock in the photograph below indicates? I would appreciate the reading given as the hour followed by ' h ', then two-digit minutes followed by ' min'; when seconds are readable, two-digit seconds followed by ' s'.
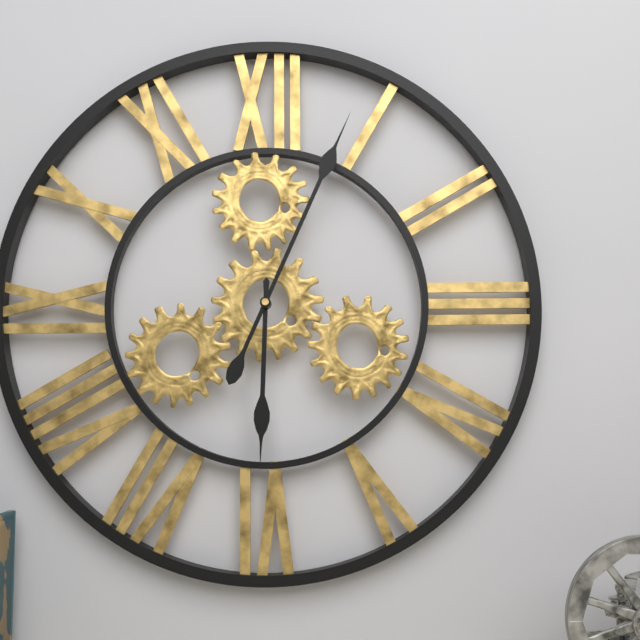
6 h 04 min
